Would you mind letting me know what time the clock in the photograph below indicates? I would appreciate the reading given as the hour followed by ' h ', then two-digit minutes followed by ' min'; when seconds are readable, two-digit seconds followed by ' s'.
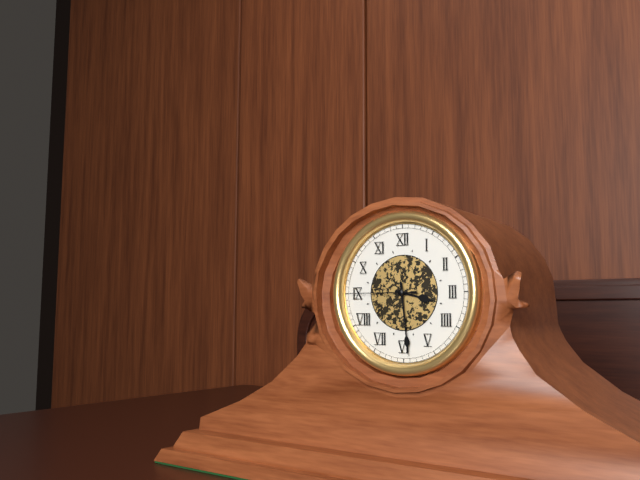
3 h 29 min 45 s
